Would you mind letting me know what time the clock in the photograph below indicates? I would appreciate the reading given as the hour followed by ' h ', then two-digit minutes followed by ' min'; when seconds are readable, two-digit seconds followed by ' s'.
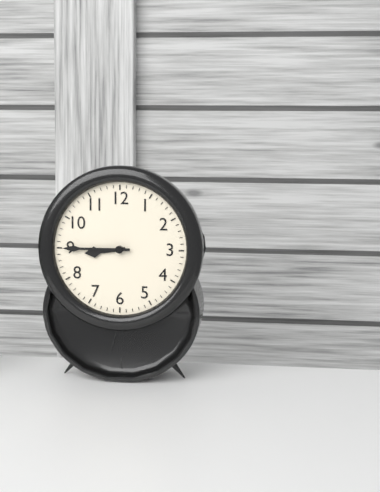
8 h 45 min
